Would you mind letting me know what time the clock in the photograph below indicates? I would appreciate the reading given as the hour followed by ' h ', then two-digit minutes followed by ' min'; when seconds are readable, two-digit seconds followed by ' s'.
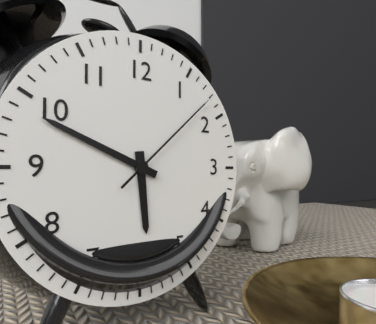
5 h 49 min 08 s
